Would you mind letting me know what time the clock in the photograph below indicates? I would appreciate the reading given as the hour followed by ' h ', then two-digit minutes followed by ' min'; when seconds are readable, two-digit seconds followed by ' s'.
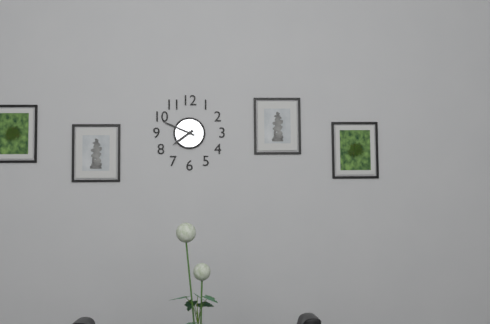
7 h 49 min
